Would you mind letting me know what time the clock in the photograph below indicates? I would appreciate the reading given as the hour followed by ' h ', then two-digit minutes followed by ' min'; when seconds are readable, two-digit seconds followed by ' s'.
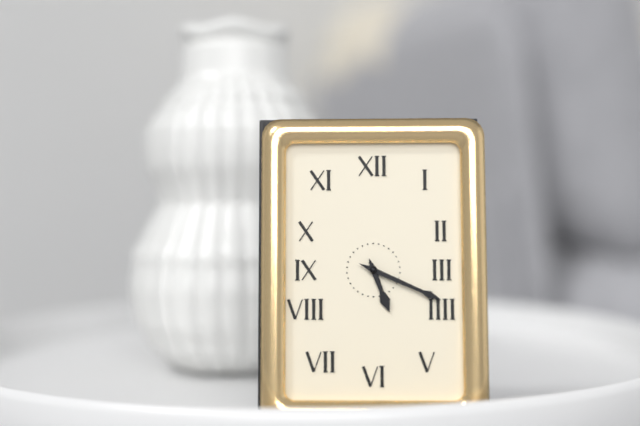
5 h 19 min
